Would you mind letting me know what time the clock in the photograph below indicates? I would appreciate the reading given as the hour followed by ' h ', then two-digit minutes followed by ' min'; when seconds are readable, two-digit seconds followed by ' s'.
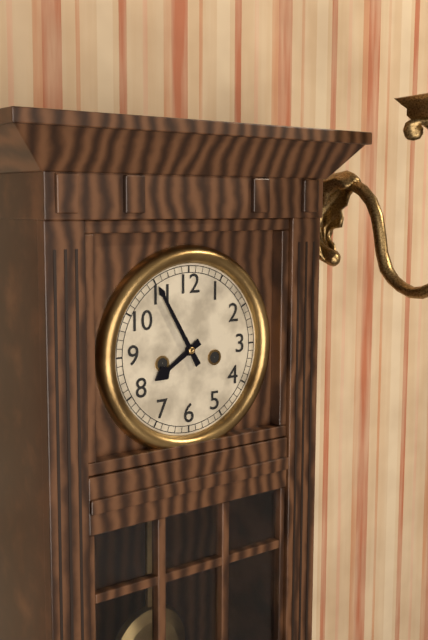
7 h 55 min
